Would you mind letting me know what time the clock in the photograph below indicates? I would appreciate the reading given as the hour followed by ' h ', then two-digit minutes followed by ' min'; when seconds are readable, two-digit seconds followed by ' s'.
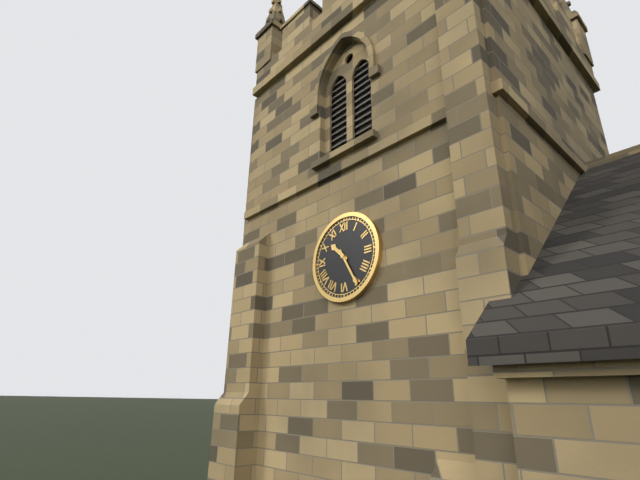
10 h 25 min
